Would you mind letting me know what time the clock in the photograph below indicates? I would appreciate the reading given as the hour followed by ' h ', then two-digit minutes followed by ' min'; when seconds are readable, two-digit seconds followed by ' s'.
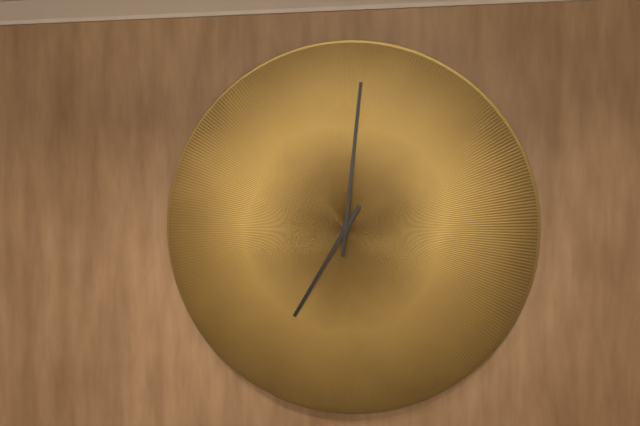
7 h 01 min
